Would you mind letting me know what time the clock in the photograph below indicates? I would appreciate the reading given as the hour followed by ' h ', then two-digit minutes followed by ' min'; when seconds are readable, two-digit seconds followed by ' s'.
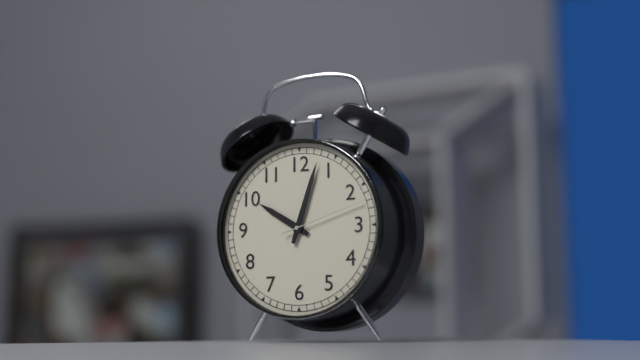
10 h 03 min 12 s
